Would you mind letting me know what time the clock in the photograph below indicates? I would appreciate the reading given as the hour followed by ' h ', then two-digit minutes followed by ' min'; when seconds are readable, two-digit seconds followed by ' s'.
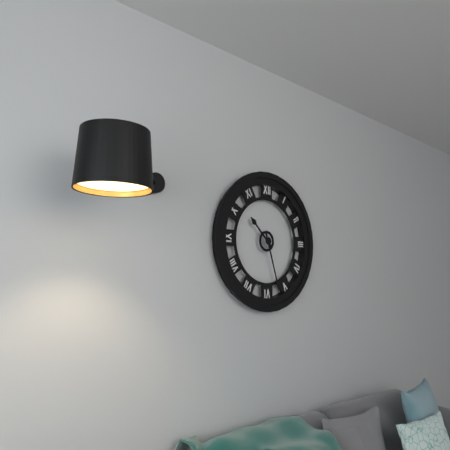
10 h 27 min
